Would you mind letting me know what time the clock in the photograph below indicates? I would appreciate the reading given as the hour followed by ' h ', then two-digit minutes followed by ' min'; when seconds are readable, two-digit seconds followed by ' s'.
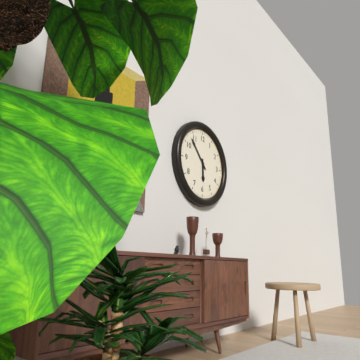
5 h 53 min
